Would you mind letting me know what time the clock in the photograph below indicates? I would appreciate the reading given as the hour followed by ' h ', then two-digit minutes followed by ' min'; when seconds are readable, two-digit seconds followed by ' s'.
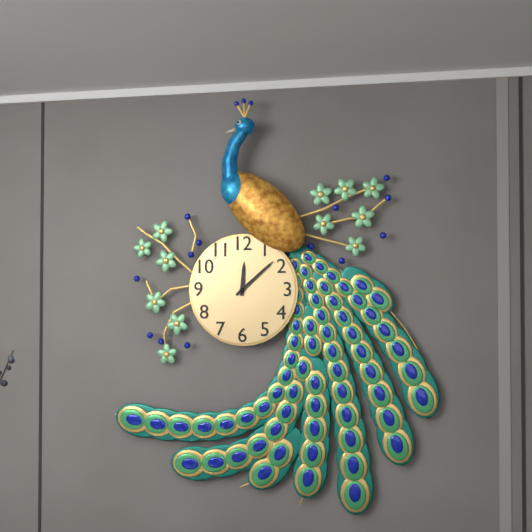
12 h 08 min
